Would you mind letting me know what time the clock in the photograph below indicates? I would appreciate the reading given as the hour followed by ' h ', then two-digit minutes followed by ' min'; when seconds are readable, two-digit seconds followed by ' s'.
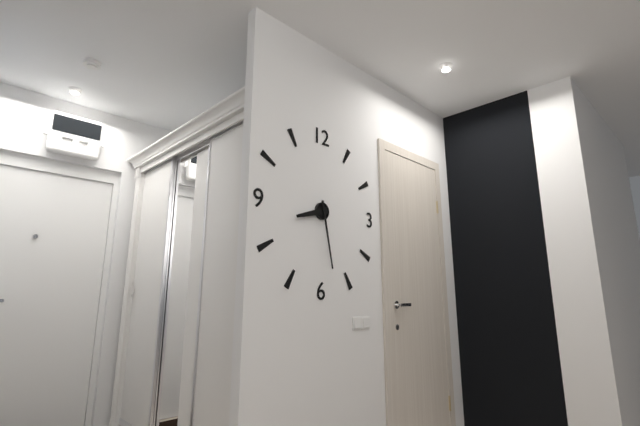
8 h 28 min
